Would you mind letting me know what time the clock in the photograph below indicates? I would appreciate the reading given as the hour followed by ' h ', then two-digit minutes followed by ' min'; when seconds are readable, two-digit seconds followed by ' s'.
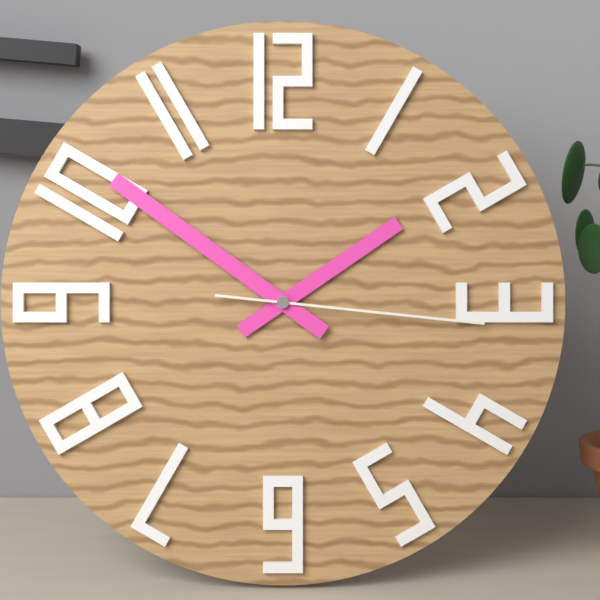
1 h 51 min 16 s
